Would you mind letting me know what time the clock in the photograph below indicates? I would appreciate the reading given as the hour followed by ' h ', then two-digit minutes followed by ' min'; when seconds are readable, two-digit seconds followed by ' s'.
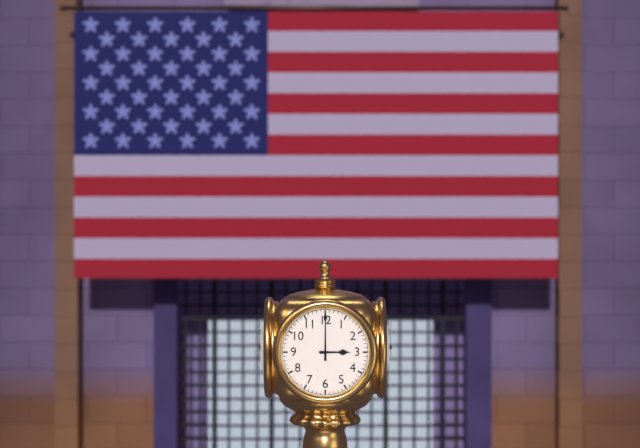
3 h 00 min
